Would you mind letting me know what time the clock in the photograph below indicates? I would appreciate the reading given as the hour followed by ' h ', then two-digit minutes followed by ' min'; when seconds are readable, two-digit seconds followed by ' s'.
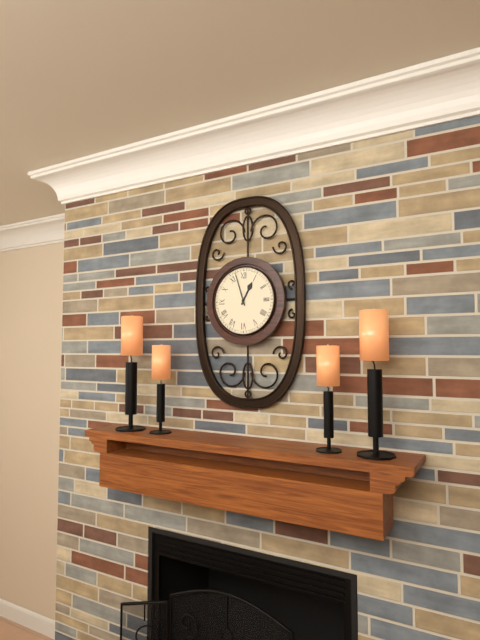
12 h 57 min
